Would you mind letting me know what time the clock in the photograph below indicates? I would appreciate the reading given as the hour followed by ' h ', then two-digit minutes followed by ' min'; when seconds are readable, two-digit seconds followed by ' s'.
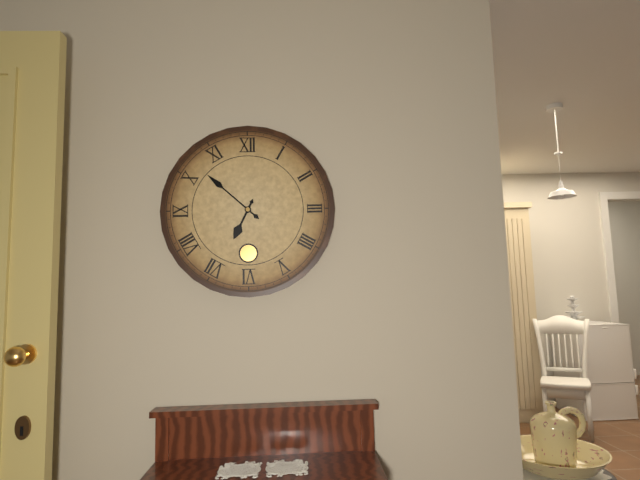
6 h 52 min
